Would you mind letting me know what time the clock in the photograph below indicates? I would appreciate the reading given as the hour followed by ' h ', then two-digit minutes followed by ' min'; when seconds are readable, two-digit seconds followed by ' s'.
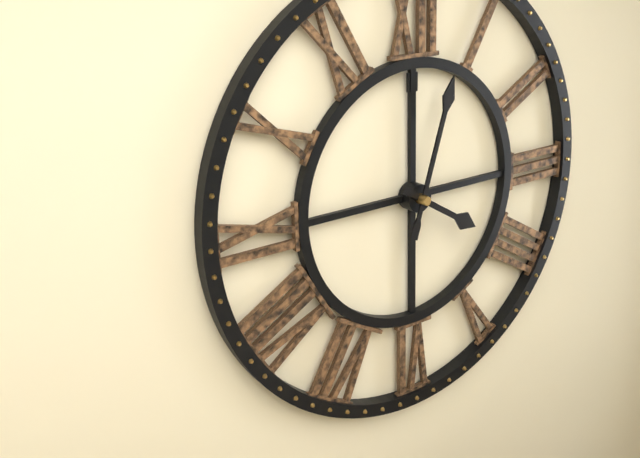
4 h 03 min
